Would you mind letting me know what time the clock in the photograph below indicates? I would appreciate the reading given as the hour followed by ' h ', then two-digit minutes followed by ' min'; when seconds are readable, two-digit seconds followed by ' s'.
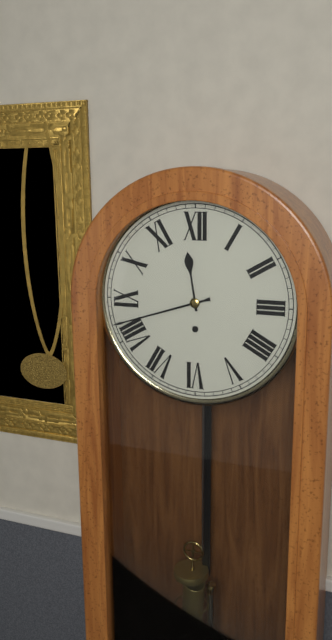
11 h 42 min
